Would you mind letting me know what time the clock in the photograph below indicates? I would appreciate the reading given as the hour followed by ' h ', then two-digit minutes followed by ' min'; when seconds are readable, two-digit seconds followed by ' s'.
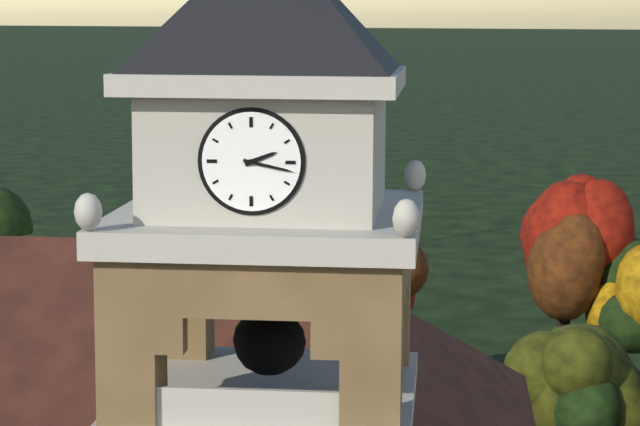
2 h 17 min
